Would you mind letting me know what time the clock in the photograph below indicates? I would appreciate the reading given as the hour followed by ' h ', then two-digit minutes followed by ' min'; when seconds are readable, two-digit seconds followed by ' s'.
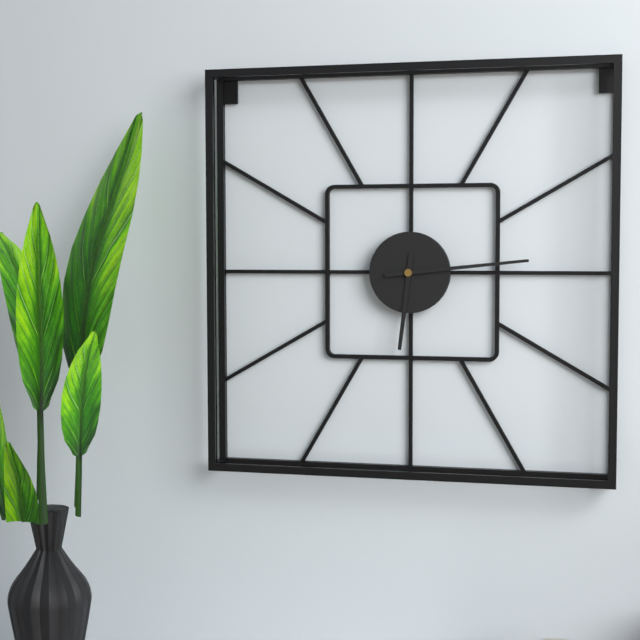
6 h 14 min
